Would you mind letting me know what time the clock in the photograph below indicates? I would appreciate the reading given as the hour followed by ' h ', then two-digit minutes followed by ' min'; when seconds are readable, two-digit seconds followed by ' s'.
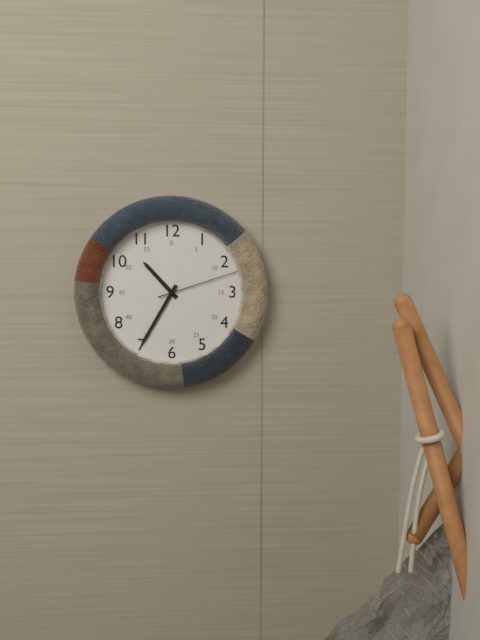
10 h 35 min 12 s
